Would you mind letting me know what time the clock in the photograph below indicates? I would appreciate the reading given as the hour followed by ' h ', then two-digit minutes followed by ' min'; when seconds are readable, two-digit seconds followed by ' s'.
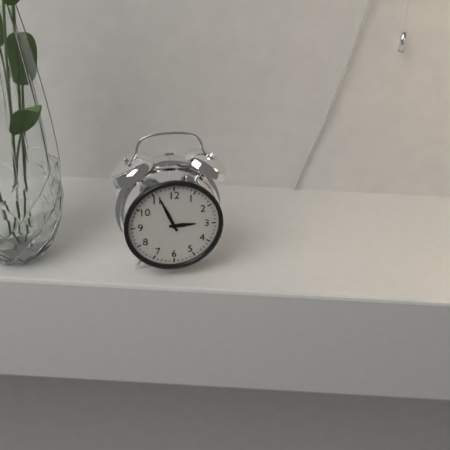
2 h 56 min
